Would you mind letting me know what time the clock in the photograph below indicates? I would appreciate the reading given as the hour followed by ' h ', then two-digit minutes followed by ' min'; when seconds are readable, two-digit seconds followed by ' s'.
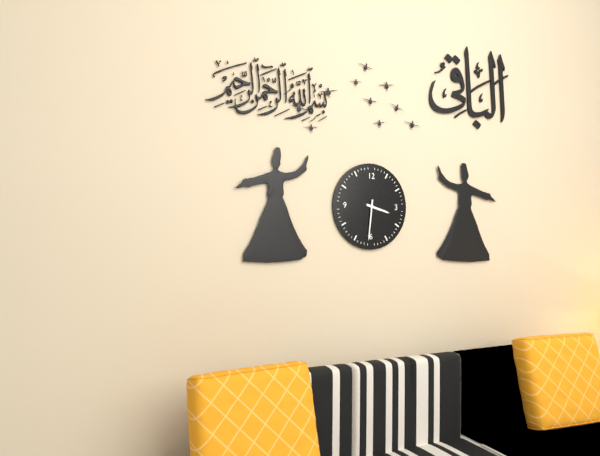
3 h 31 min
